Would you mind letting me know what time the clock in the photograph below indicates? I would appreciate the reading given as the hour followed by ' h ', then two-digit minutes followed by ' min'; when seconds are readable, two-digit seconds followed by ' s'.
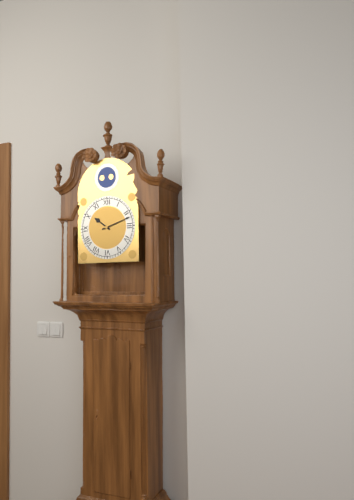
10 h 12 min
